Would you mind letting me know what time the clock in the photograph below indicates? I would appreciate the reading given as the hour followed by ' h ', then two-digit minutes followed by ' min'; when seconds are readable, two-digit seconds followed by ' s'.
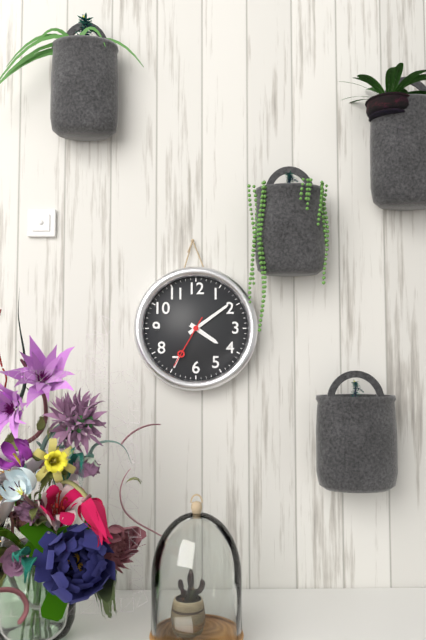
4 h 09 min 35 s
